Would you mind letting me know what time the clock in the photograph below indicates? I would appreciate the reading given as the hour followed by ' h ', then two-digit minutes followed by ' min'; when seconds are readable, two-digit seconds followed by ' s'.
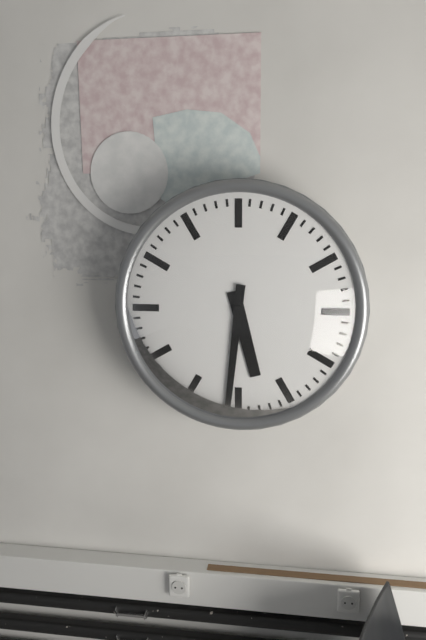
5 h 31 min
